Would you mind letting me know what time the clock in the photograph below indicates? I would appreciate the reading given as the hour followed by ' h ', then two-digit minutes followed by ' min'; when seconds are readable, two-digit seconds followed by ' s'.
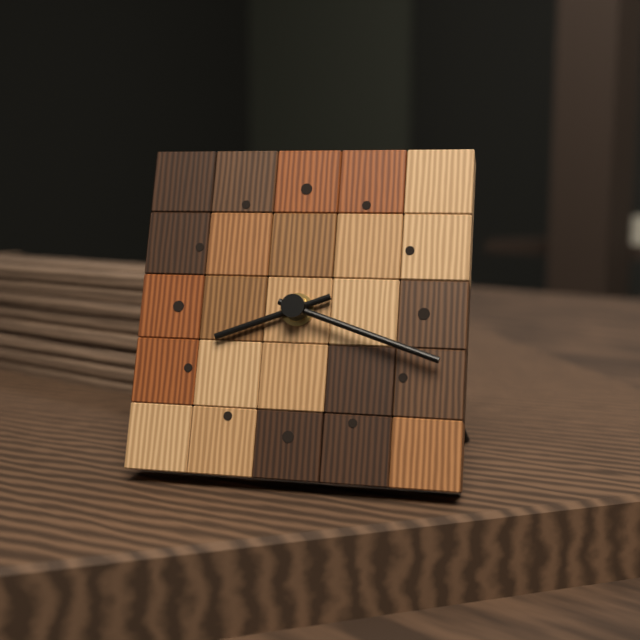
8 h 18 min
